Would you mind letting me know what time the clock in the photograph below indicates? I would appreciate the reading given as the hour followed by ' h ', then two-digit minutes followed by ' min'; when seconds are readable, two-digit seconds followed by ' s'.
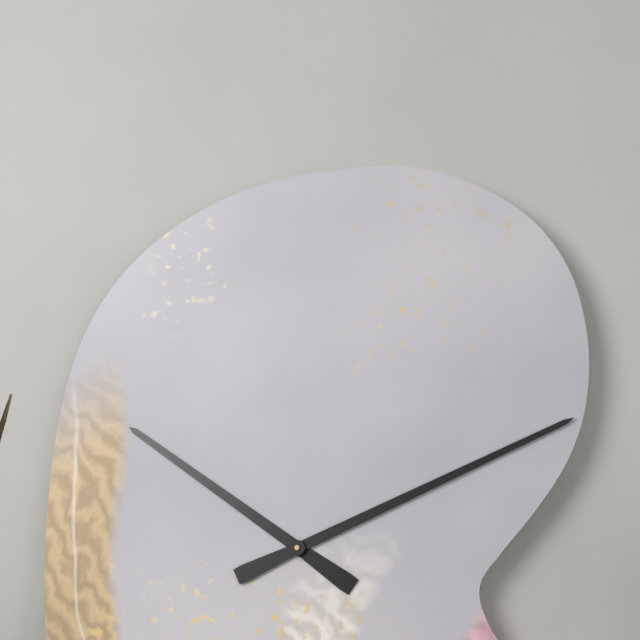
10 h 11 min
